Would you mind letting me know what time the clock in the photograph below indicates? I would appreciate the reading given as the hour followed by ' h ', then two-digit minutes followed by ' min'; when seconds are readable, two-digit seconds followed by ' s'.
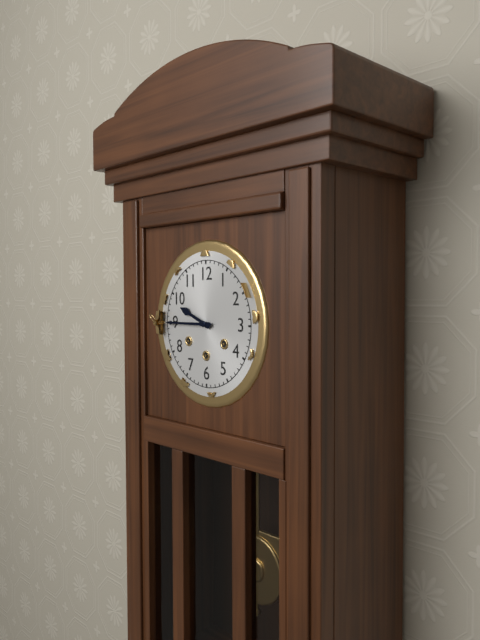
9 h 45 min
